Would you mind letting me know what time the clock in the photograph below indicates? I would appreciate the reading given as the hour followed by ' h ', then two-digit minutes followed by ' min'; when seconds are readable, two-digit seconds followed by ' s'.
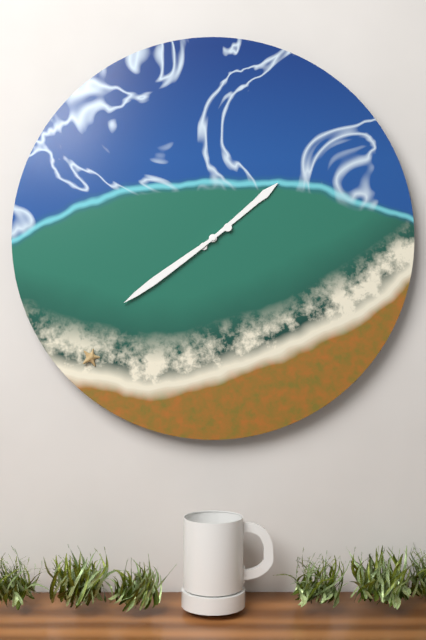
1 h 39 min
